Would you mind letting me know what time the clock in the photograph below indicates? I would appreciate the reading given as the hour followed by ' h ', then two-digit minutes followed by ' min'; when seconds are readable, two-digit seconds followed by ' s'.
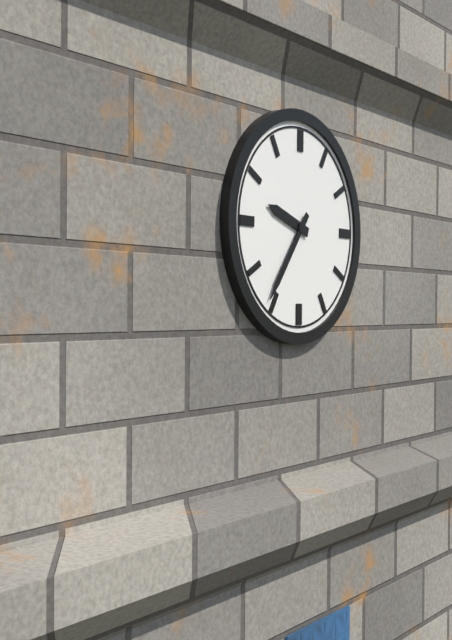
9 h 36 min
